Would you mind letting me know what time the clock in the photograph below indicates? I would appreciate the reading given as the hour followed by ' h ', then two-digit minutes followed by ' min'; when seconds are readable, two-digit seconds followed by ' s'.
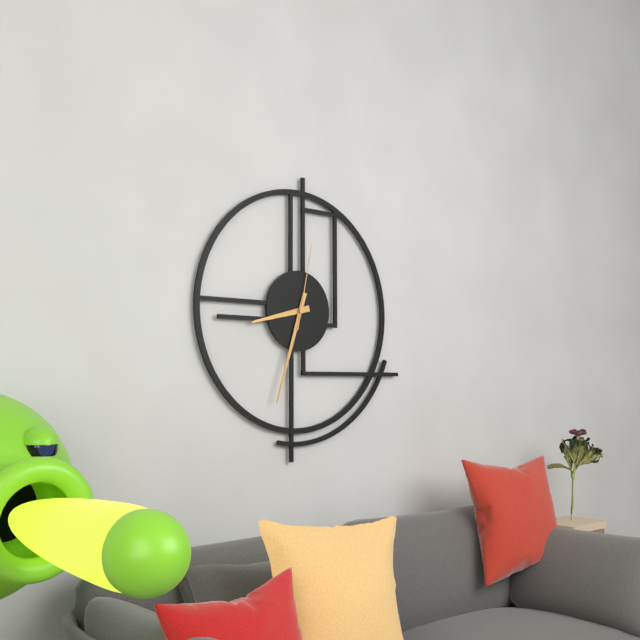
8 h 33 min 02 s
